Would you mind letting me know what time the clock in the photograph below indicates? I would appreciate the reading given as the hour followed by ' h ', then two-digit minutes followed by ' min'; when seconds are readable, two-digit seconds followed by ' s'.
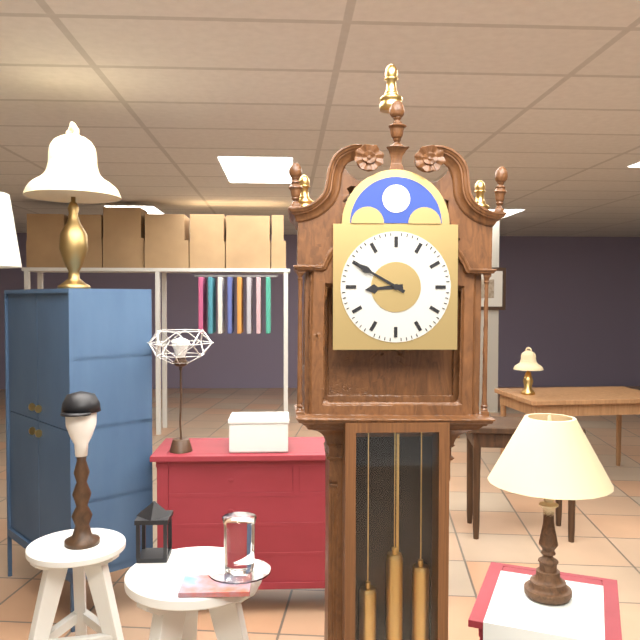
8 h 50 min
